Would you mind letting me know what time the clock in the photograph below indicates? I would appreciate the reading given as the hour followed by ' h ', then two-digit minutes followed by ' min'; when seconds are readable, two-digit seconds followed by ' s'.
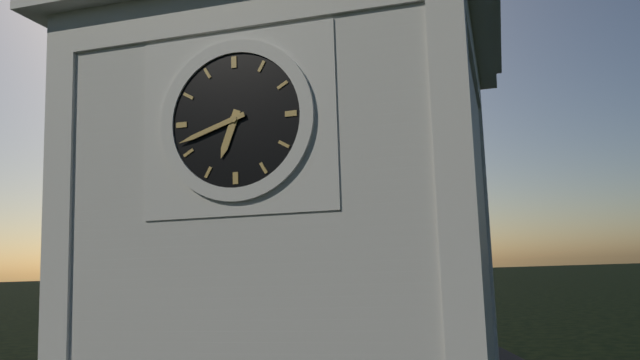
6 h 42 min
